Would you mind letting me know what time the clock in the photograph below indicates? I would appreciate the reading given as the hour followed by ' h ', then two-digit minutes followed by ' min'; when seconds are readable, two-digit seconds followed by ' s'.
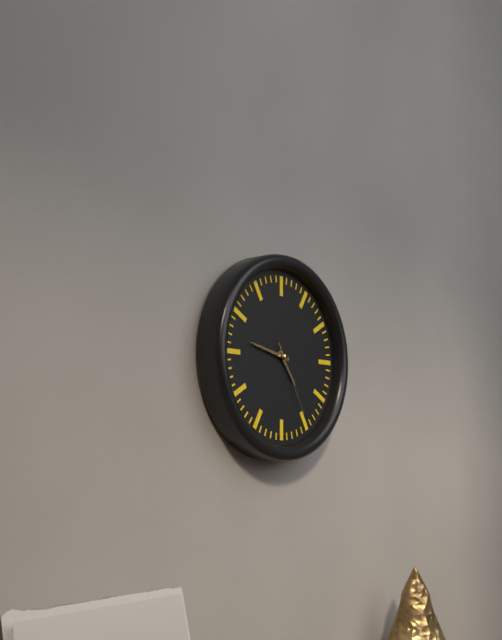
4 h 47 min 25 s
